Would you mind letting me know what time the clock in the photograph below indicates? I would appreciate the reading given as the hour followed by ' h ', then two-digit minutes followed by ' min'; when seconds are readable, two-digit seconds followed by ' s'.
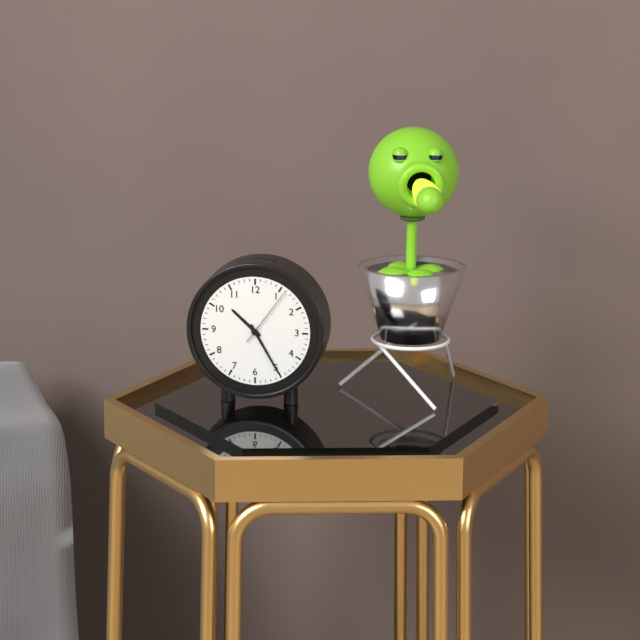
10 h 25 min 06 s
